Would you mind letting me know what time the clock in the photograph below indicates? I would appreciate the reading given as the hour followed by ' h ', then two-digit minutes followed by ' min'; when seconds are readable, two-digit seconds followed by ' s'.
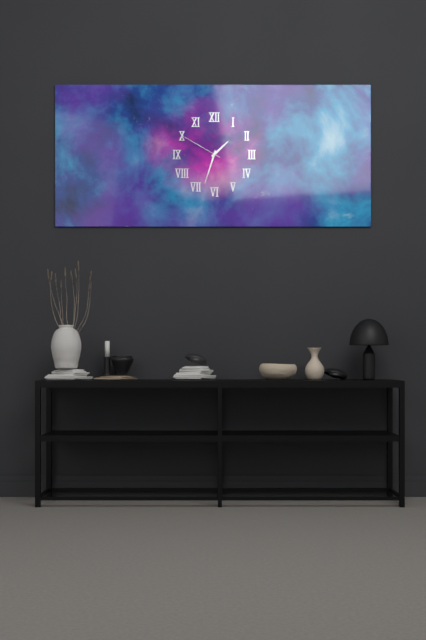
1 h 33 min
